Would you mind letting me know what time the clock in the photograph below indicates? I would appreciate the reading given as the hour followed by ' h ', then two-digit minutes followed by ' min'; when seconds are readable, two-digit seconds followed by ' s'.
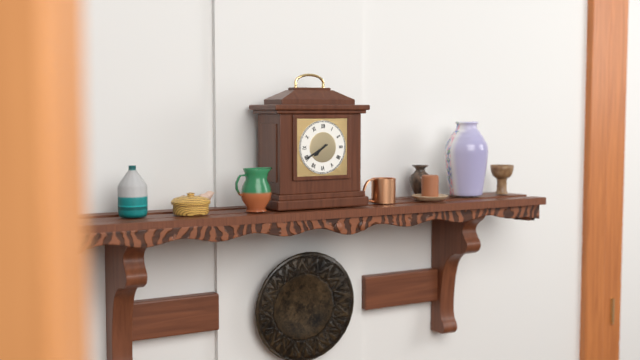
7 h 40 min
